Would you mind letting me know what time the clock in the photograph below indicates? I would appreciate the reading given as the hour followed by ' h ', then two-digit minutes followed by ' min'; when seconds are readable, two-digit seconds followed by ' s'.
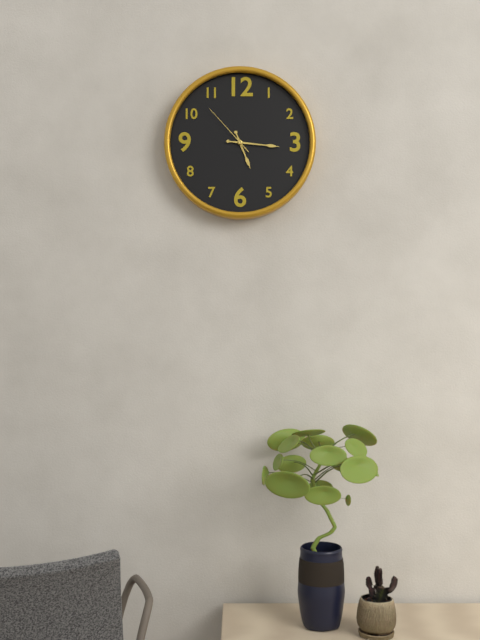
5 h 16 min 53 s
